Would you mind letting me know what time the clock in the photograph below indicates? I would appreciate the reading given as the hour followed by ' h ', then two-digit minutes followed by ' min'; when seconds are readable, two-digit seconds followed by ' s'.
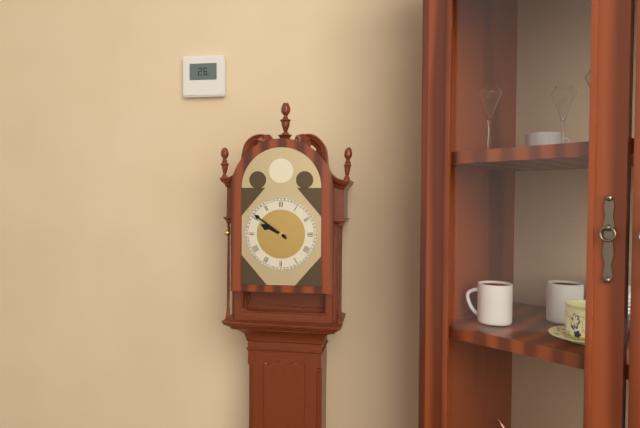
9 h 51 min
